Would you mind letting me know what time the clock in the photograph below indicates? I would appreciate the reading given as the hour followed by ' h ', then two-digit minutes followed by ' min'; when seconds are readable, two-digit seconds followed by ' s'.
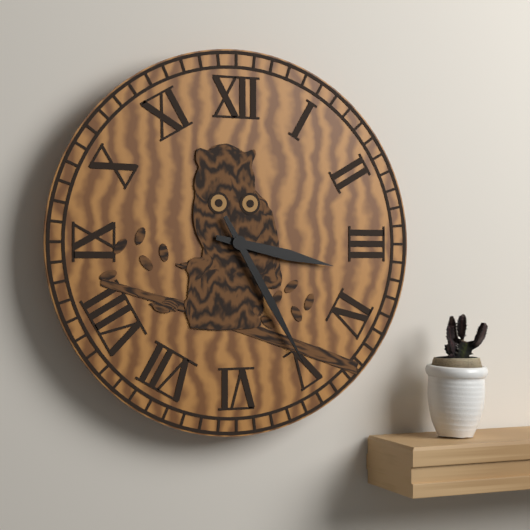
3 h 25 min
